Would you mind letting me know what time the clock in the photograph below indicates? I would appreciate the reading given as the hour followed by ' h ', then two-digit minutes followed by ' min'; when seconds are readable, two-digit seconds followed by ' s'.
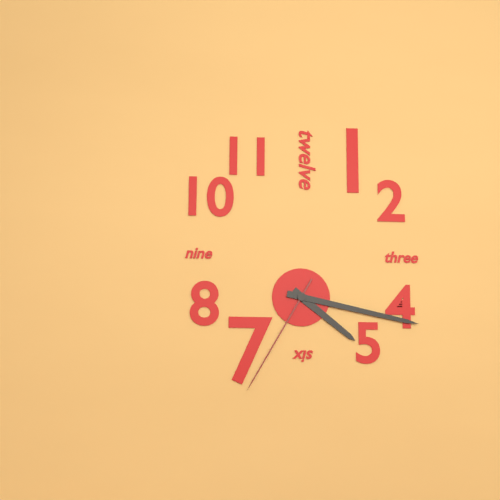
4 h 17 min 35 s
